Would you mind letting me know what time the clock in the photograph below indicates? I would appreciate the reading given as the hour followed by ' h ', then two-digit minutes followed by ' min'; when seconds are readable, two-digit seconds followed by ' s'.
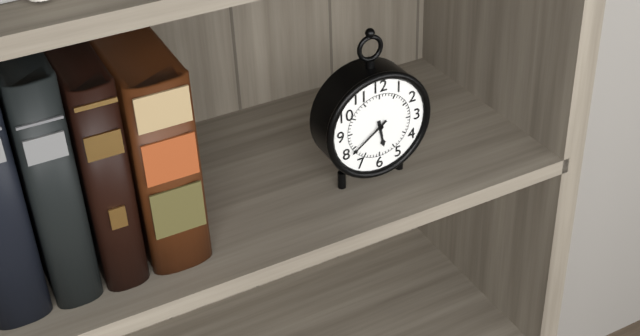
5 h 39 min
